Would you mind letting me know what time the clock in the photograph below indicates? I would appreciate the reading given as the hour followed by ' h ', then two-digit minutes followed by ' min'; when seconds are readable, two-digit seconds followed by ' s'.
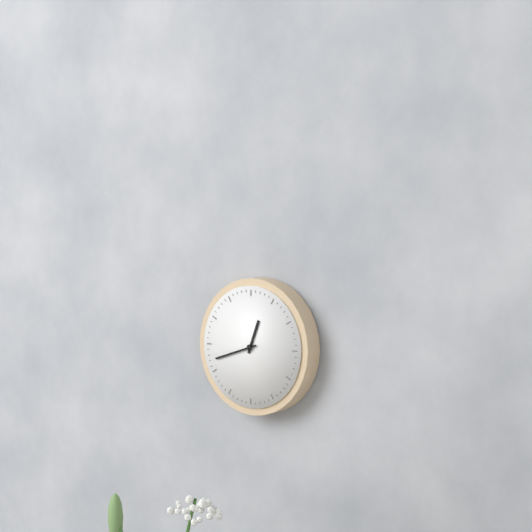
12 h 42 min
